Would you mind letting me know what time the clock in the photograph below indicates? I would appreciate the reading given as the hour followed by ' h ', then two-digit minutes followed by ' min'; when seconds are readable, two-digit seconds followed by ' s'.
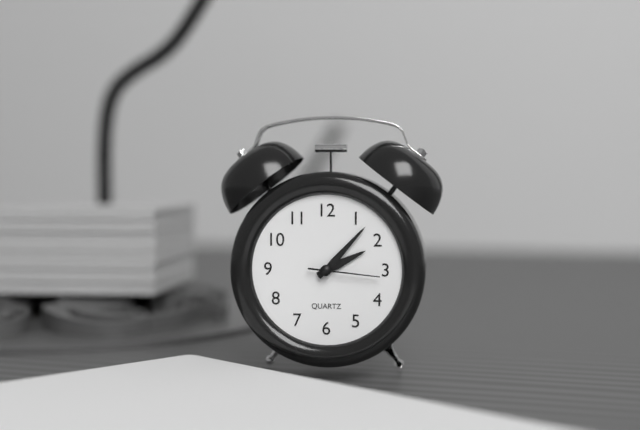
2 h 07 min 16 s
